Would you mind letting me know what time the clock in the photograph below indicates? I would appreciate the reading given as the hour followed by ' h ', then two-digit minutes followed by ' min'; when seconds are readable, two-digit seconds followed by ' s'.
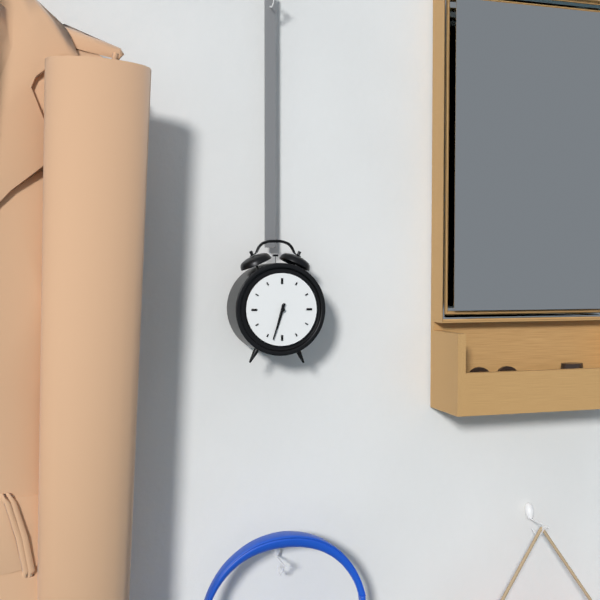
6 h 33 min
